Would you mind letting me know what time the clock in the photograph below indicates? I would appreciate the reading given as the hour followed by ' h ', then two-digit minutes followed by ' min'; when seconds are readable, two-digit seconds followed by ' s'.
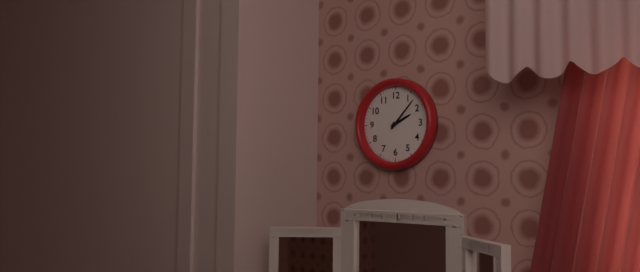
2 h 07 min
